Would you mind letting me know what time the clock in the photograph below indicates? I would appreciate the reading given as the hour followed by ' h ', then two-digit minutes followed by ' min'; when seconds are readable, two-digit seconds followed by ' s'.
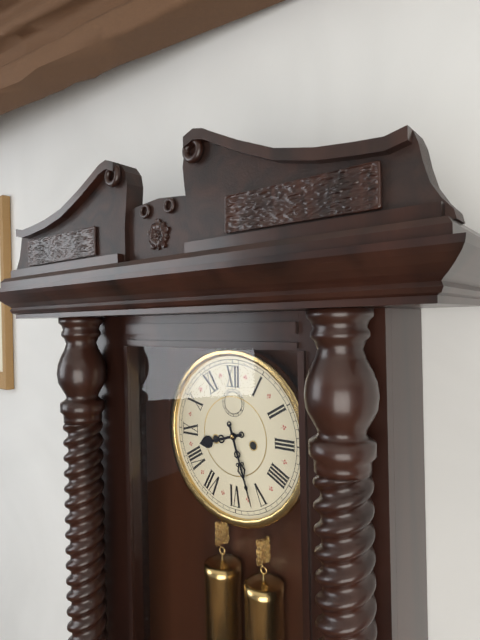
8 h 27 min
